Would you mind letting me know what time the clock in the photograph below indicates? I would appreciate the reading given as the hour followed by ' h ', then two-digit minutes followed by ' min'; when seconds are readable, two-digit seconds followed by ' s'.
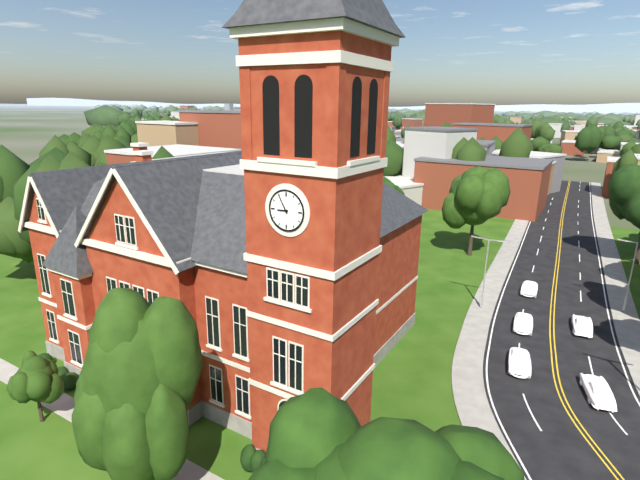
8 h 55 min
